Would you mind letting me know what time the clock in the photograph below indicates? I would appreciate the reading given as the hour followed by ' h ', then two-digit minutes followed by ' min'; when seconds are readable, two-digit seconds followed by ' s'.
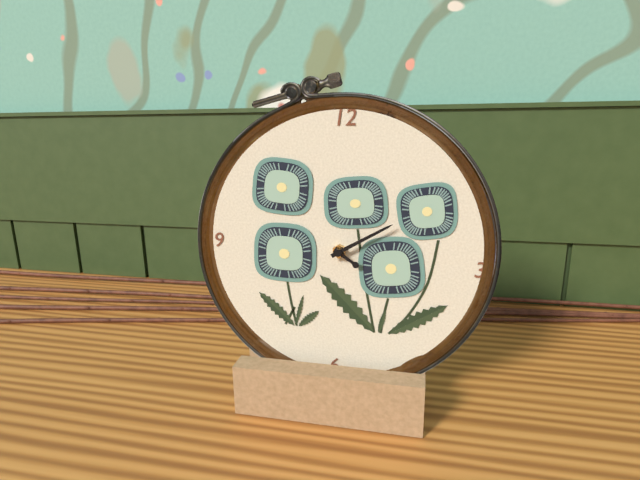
4 h 10 min
